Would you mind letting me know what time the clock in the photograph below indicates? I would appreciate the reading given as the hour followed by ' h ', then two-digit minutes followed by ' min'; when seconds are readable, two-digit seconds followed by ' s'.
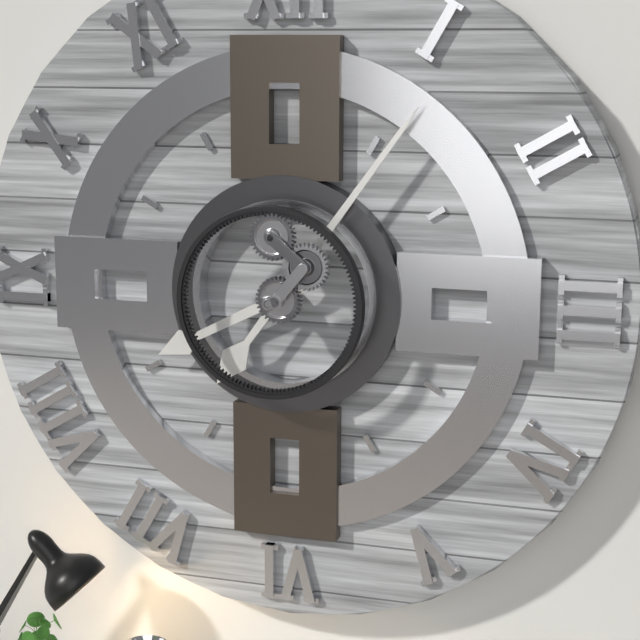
8 h 06 min
